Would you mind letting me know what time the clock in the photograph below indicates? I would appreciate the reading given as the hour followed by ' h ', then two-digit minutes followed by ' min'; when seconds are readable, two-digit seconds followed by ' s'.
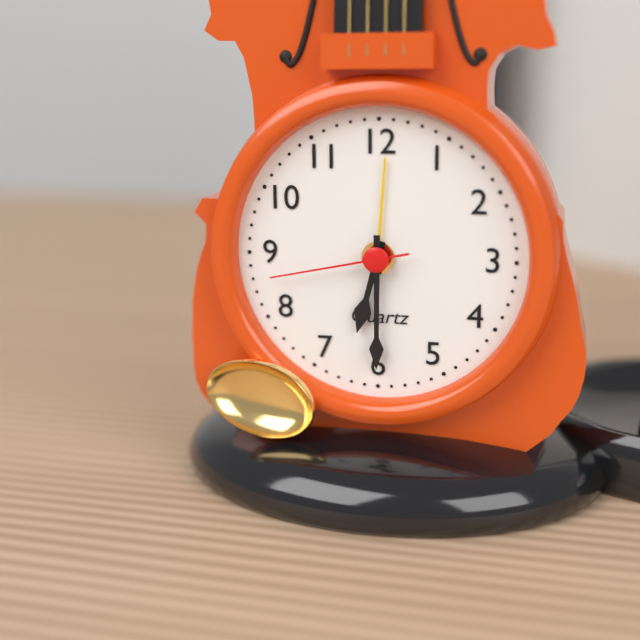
6 h 30 min 43 s
